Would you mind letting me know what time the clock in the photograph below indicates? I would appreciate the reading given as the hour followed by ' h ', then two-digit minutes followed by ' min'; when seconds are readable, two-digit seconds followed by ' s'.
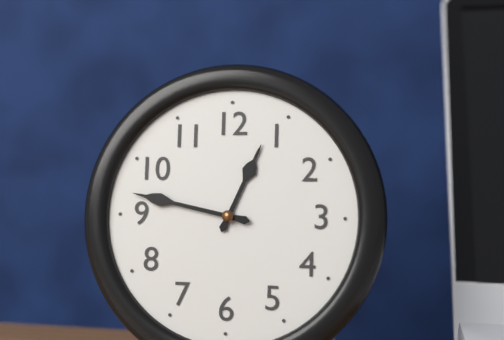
12 h 47 min
